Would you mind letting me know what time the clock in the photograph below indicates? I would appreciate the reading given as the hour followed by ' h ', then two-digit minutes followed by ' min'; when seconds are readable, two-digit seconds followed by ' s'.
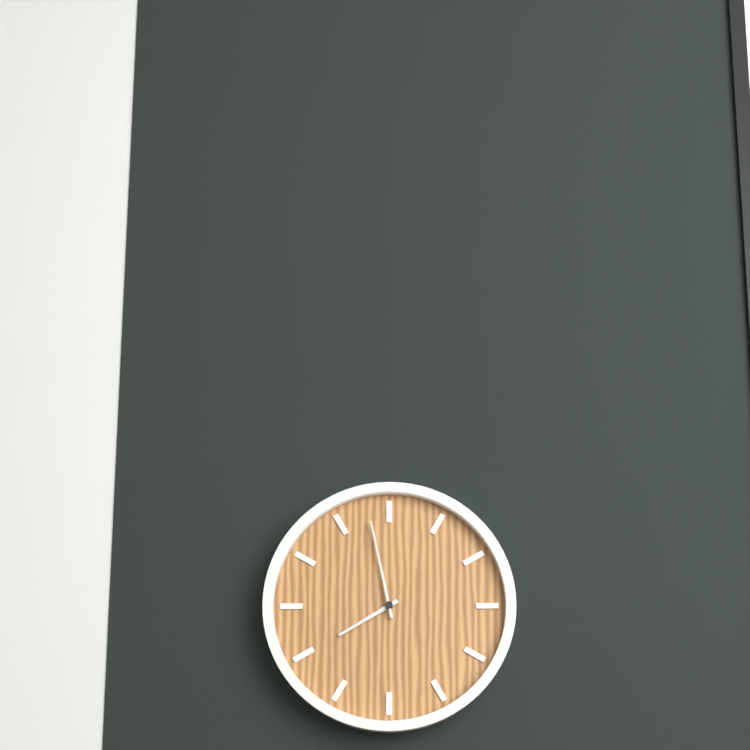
7 h 58 min
